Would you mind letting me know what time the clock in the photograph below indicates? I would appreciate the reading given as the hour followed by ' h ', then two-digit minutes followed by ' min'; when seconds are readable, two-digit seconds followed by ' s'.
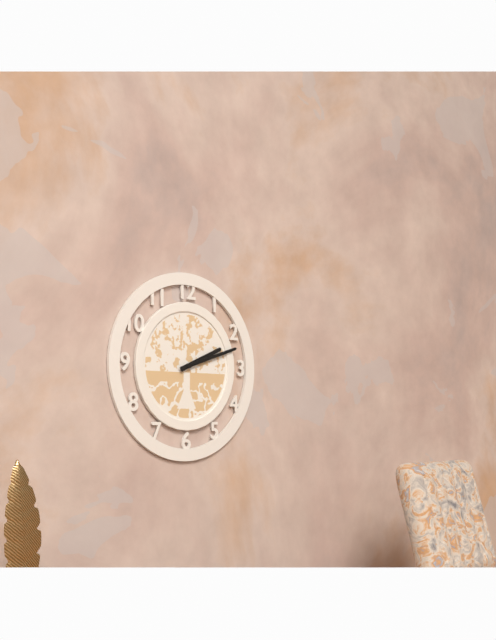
2 h 12 min
